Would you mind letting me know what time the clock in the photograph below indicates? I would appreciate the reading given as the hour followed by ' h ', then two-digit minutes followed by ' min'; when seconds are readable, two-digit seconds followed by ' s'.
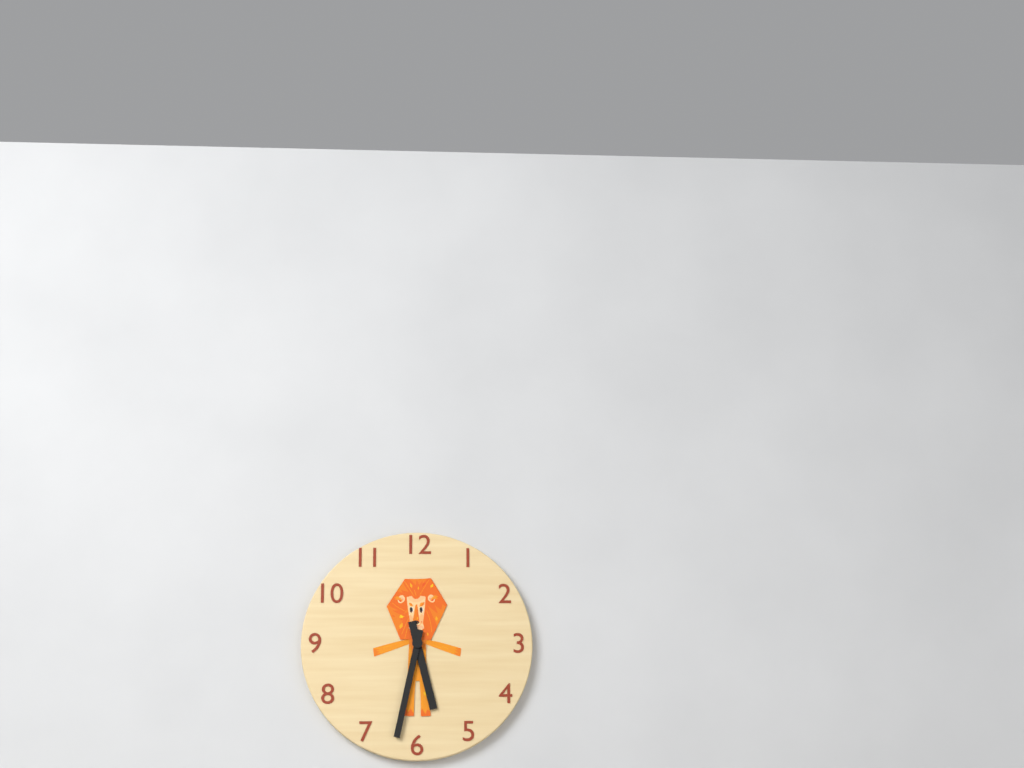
5 h 32 min
